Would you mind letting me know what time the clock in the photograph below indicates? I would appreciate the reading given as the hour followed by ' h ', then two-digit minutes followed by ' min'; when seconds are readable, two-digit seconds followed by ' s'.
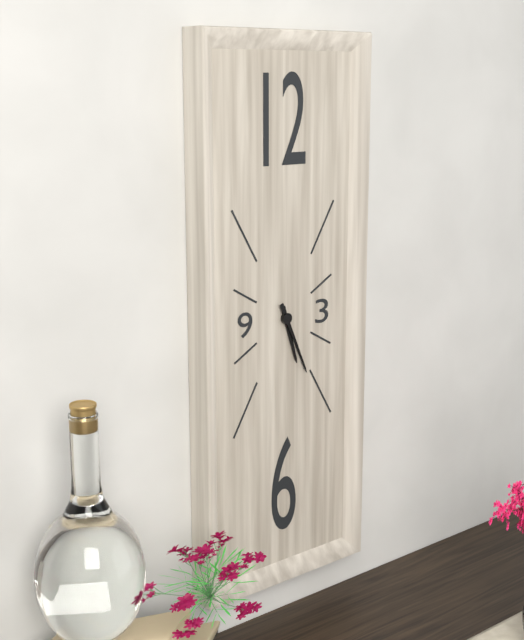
5 h 26 min
